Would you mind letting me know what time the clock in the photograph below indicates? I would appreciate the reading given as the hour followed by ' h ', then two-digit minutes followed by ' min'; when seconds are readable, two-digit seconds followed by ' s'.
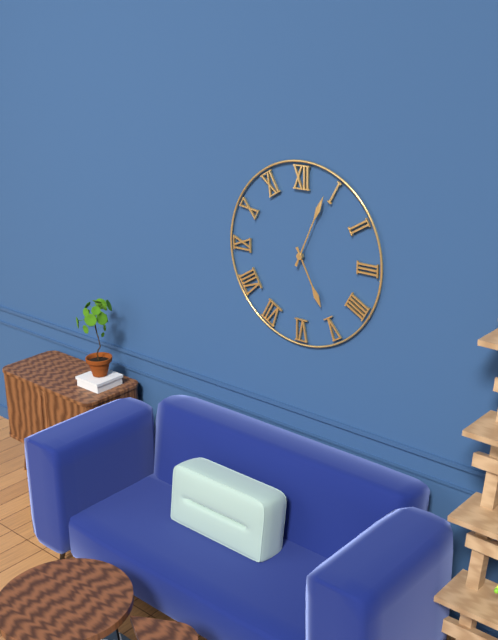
5 h 04 min
